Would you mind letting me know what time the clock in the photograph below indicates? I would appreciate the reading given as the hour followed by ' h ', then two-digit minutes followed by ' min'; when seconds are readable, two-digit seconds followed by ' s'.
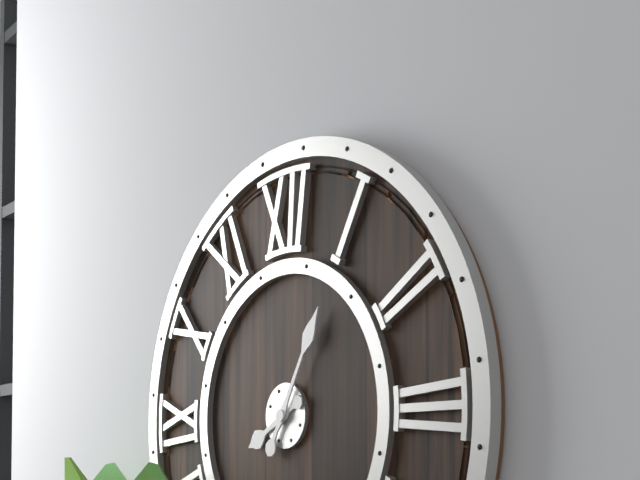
8 h 05 min
